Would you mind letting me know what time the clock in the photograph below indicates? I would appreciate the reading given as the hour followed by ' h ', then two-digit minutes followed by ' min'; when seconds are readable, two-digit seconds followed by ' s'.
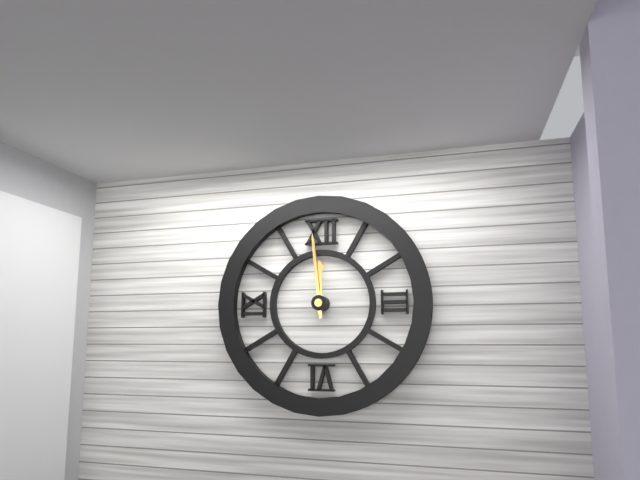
11 h 59 min
